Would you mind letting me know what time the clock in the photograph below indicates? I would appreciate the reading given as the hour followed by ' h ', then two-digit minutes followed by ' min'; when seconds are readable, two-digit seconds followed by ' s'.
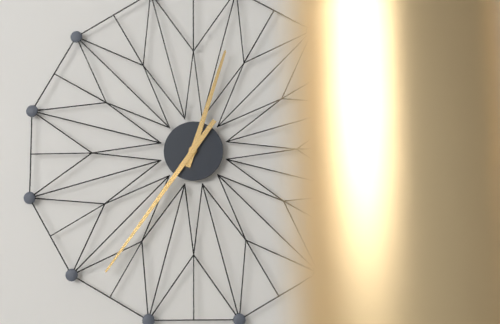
12 h 36 min
